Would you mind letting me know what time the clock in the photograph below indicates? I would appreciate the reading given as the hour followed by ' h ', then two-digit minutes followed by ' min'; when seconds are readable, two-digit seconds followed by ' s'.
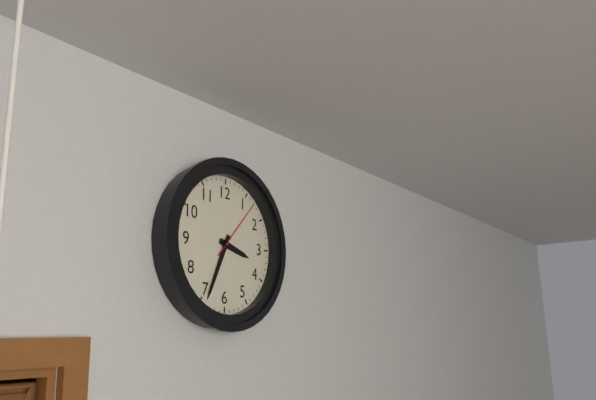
3 h 34 min 07 s
